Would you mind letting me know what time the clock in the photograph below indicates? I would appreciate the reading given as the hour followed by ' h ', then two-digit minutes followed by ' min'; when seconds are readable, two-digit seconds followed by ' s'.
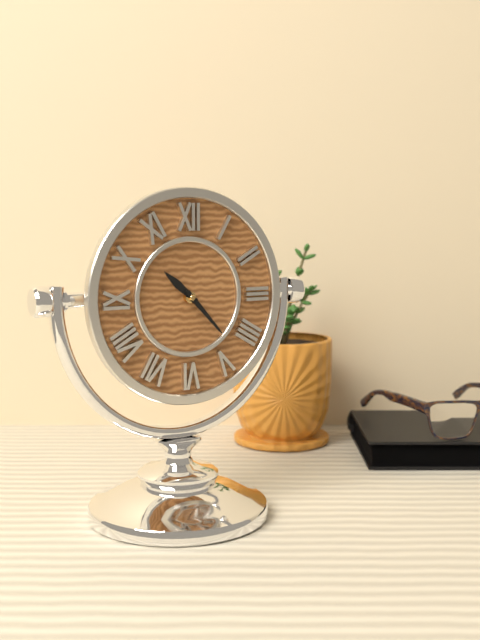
10 h 23 min
